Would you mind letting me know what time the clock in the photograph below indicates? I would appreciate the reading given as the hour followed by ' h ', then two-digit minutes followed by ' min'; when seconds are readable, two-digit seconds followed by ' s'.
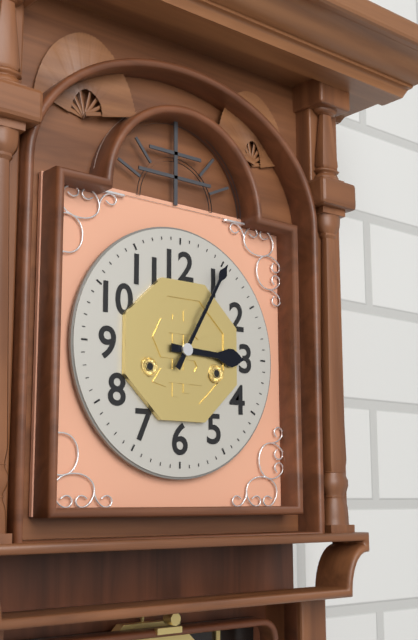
3 h 05 min
